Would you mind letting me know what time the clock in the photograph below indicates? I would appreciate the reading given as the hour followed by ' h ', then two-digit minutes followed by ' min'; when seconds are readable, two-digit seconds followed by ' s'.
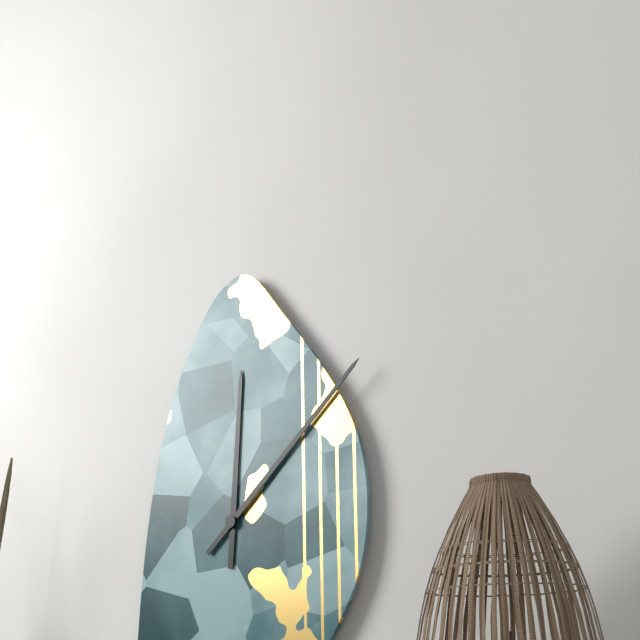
12 h 08 min
